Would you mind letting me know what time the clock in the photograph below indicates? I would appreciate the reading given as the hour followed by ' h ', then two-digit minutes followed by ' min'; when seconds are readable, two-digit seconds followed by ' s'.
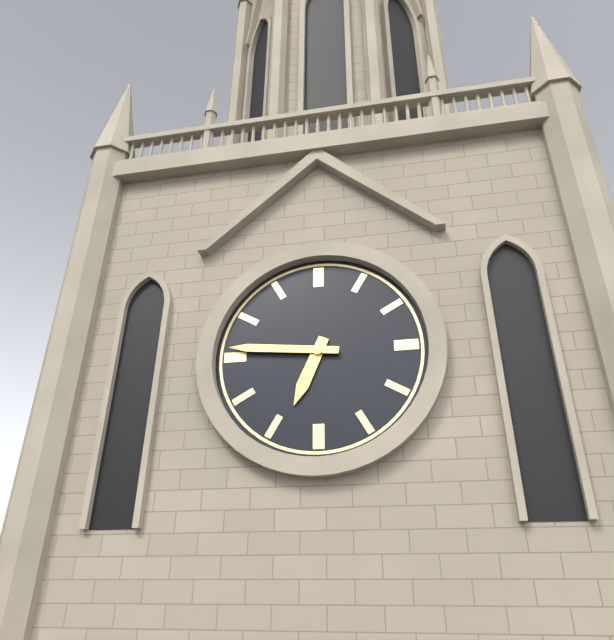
6 h 46 min
